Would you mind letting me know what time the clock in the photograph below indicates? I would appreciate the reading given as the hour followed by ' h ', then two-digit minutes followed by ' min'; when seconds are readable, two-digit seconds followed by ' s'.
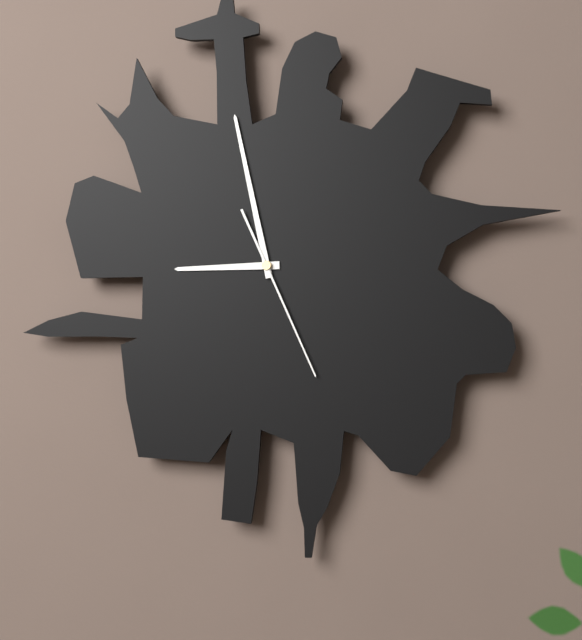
8 h 58 min 26 s
